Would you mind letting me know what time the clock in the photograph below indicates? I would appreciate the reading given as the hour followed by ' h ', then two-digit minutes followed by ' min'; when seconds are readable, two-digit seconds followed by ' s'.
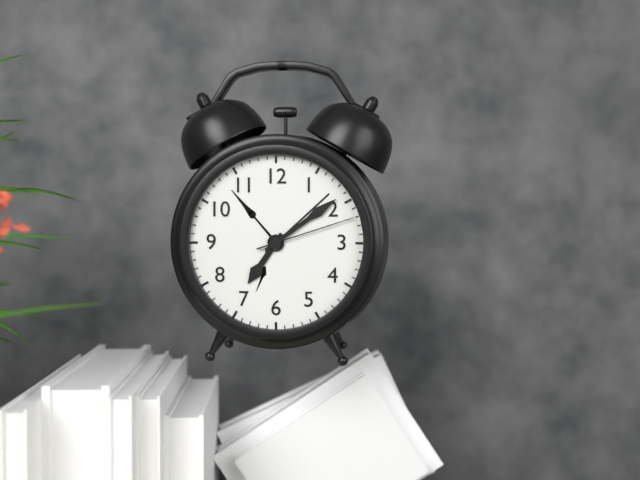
7 h 09 min 12 s
